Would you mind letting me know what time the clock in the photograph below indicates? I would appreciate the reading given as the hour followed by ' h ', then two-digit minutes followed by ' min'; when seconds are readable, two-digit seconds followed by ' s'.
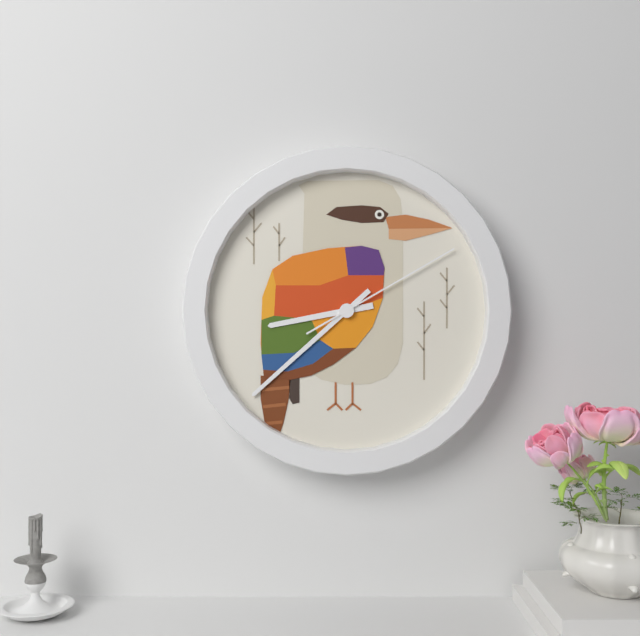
8 h 38 min 10 s
